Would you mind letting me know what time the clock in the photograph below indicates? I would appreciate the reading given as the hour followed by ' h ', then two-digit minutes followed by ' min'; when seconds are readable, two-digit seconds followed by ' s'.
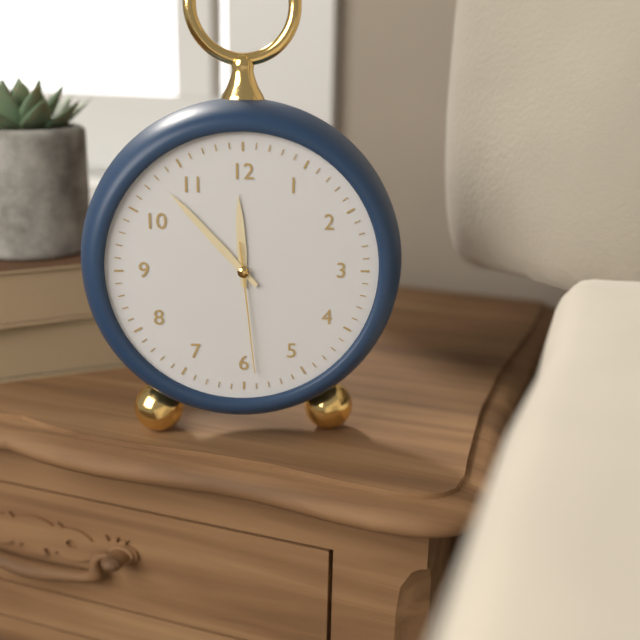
11 h 53 min 29 s
